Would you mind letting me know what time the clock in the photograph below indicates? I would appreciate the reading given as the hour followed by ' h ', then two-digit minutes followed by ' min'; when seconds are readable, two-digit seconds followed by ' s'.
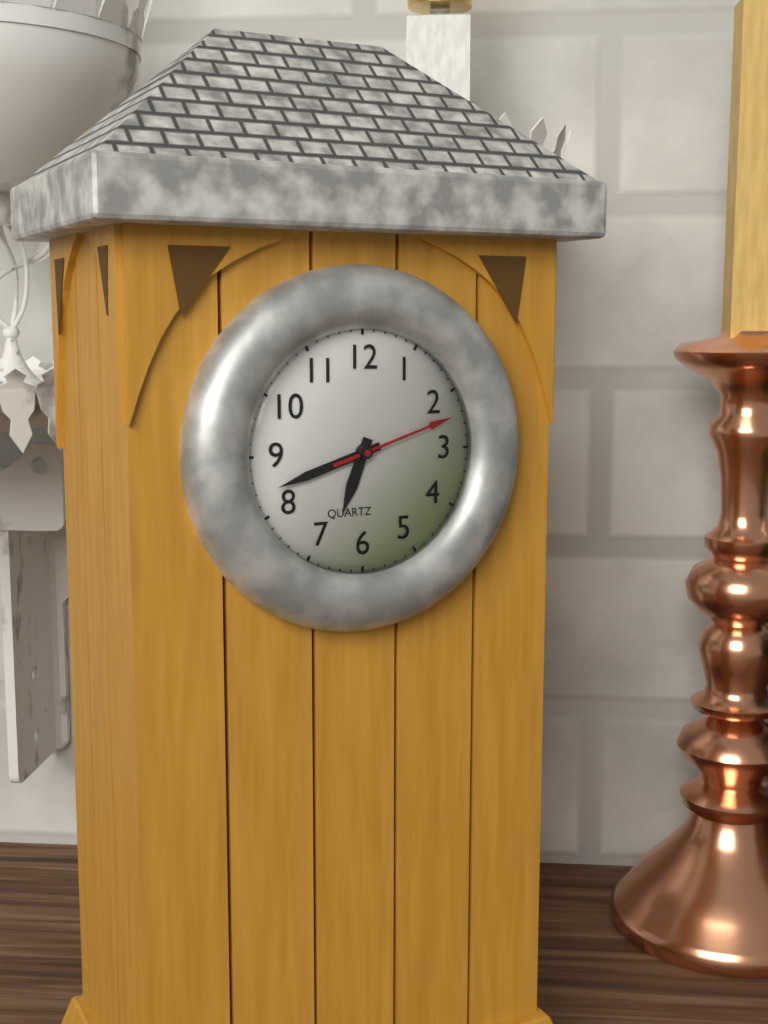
6 h 42 min 12 s
